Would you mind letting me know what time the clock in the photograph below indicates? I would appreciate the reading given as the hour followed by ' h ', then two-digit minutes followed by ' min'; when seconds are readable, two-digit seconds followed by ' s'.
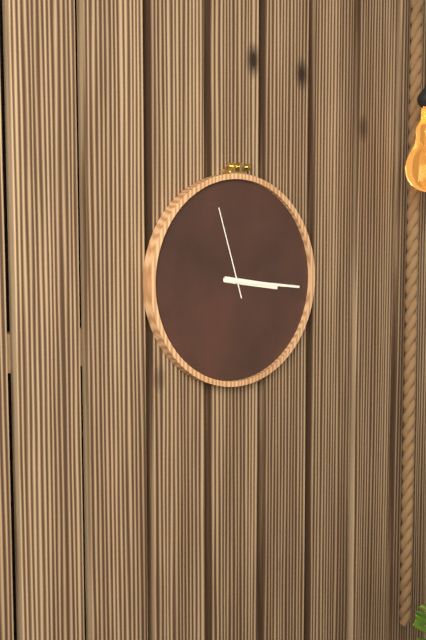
3 h 16 min 57 s
